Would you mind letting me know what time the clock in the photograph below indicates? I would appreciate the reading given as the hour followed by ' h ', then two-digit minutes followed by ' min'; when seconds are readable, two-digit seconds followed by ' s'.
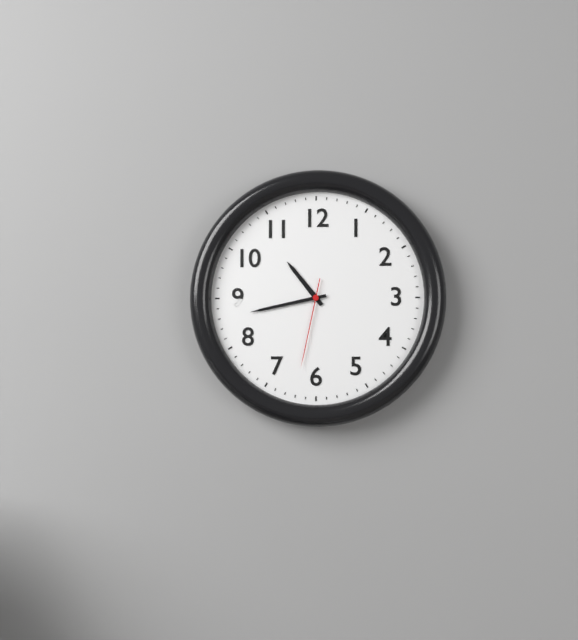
10 h 43 min 32 s
